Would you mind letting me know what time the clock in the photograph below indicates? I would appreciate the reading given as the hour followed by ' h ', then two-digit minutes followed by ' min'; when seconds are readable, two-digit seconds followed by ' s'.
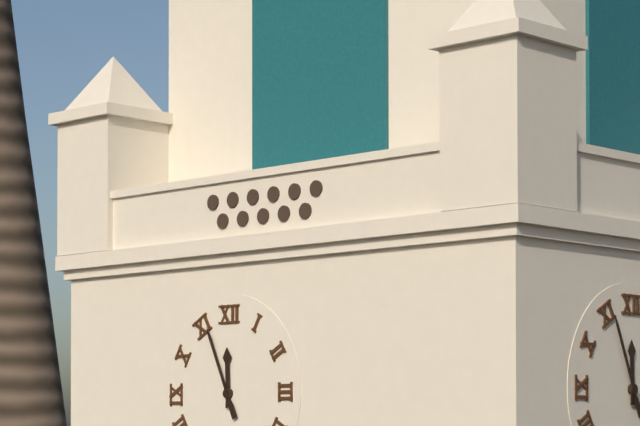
11 h 56 min
